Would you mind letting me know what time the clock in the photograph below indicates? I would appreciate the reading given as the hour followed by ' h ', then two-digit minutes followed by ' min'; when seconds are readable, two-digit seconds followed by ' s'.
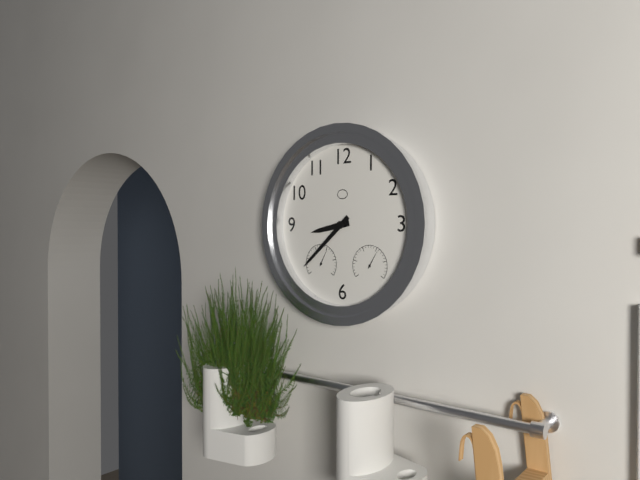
8 h 38 min
